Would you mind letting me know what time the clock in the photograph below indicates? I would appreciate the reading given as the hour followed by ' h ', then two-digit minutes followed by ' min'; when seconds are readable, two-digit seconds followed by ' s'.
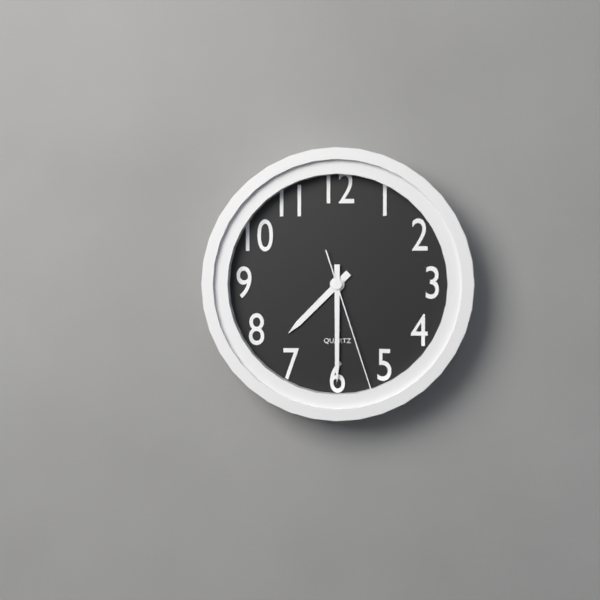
7 h 30 min 27 s
